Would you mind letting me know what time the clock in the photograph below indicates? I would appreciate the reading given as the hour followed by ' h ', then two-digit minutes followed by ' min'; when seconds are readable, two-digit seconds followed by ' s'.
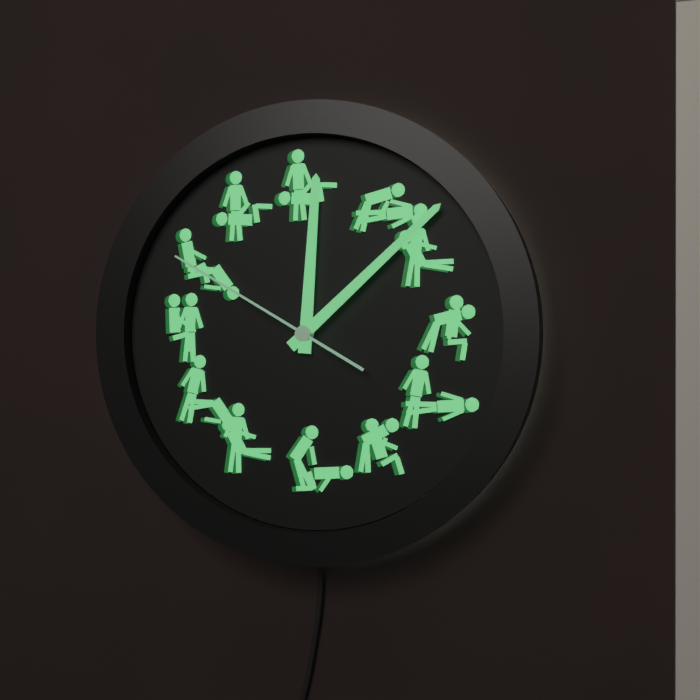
12 h 08 min 50 s
